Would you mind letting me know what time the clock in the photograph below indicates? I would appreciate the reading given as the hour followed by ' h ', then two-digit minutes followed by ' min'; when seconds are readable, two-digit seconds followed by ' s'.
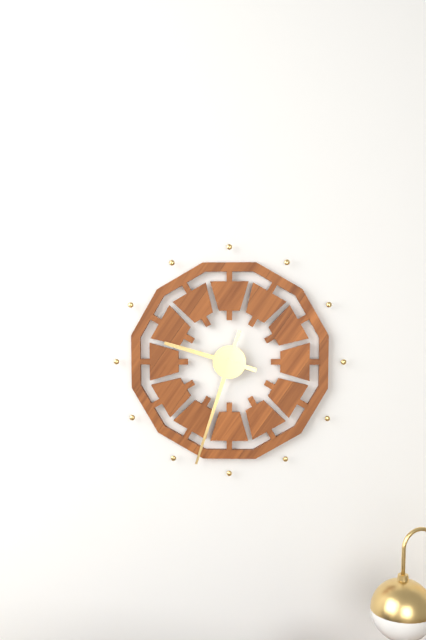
9 h 33 min
